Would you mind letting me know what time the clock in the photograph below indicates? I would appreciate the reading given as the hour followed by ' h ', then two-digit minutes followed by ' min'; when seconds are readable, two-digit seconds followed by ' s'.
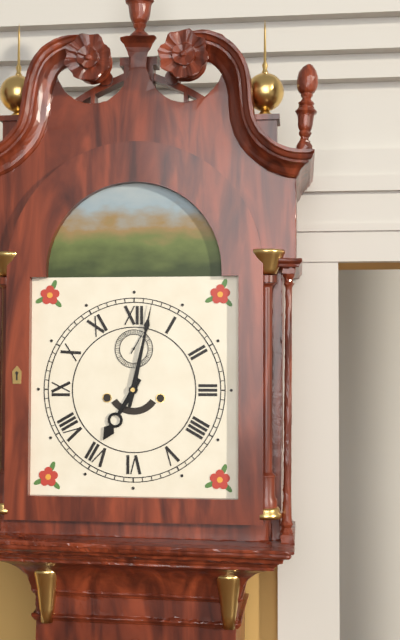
7 h 02 min
